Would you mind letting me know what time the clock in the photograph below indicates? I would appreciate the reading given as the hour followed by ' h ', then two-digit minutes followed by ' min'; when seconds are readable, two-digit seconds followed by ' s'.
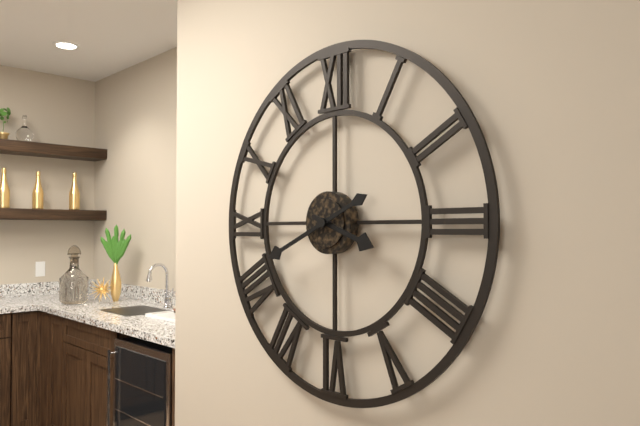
3 h 41 min
